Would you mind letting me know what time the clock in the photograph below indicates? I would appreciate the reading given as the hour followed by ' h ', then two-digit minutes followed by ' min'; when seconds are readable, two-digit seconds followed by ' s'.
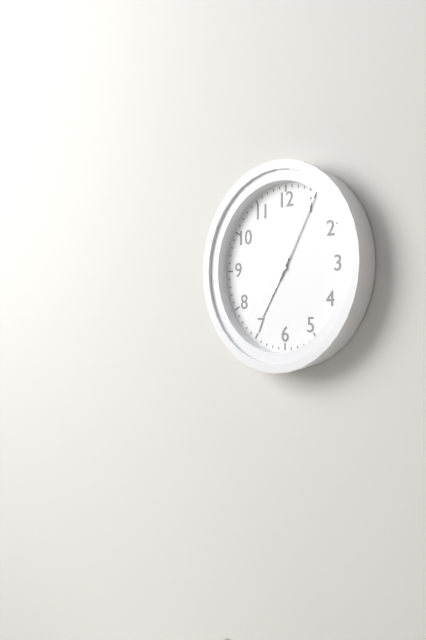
7 h 05 min
